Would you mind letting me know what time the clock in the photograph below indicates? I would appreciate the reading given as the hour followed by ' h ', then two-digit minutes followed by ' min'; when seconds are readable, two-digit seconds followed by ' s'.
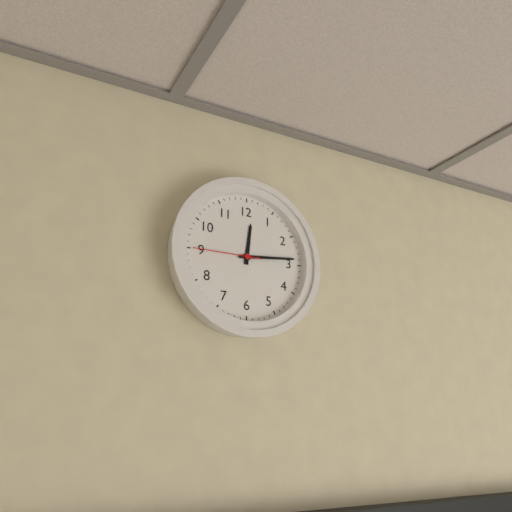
12 h 14 min 45 s
